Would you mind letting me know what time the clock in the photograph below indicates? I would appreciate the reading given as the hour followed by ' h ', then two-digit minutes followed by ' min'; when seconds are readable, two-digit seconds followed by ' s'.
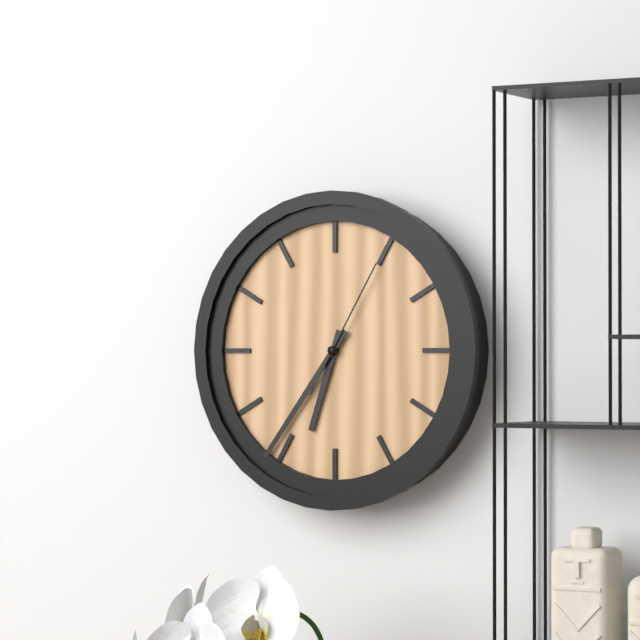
6 h 36 min 05 s
